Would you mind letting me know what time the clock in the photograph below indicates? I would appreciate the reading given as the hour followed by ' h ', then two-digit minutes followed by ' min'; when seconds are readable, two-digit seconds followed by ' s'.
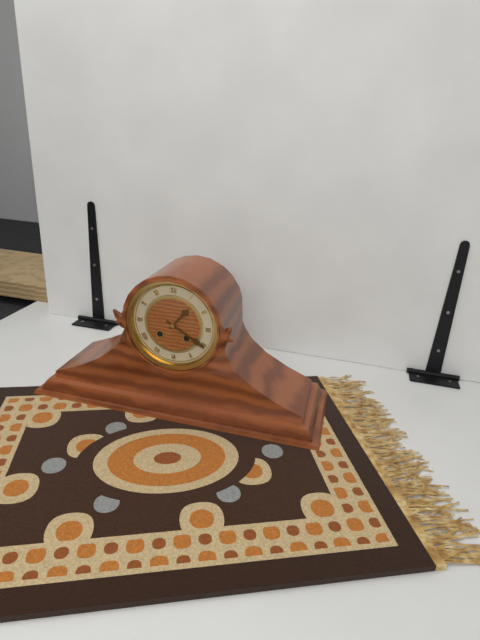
1 h 20 min
